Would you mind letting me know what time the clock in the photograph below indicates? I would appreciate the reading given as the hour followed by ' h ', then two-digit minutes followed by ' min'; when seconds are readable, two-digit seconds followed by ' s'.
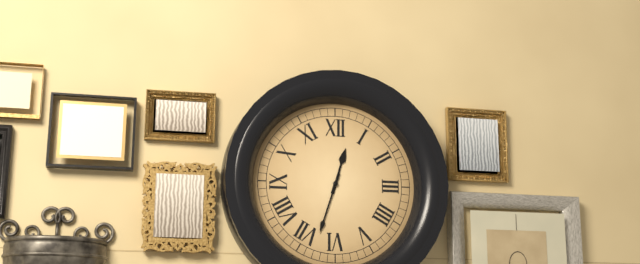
12 h 33 min
